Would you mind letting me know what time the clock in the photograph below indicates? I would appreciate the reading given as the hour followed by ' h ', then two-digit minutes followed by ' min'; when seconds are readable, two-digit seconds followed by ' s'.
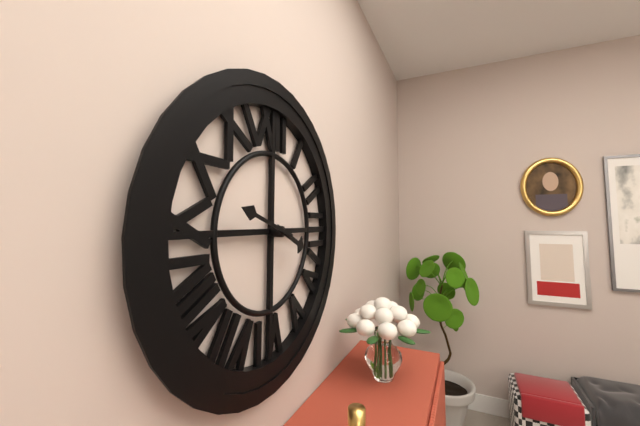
3 h 48 min
